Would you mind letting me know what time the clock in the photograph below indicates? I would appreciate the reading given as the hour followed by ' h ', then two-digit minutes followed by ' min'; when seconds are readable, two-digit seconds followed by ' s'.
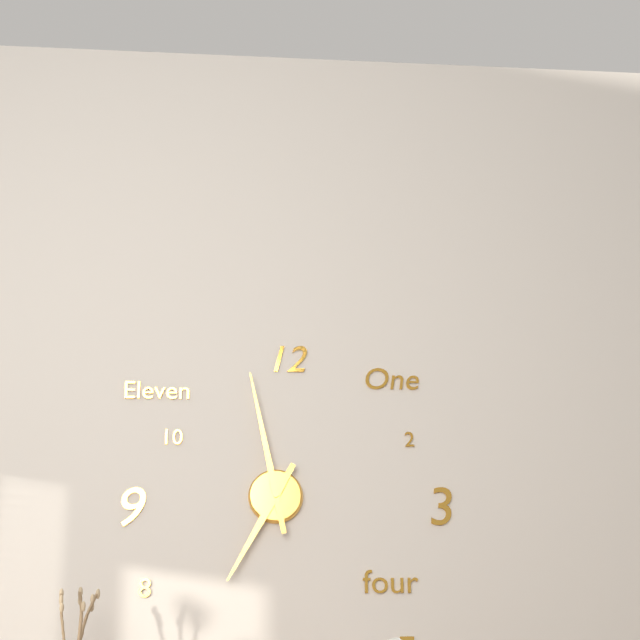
6 h 58 min
